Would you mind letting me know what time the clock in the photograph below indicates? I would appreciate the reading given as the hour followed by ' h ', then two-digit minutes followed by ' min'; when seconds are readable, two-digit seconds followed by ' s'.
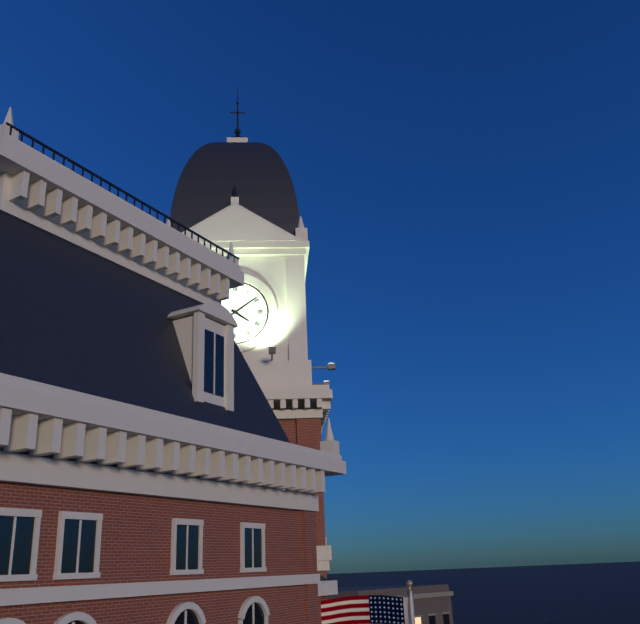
4 h 09 min
